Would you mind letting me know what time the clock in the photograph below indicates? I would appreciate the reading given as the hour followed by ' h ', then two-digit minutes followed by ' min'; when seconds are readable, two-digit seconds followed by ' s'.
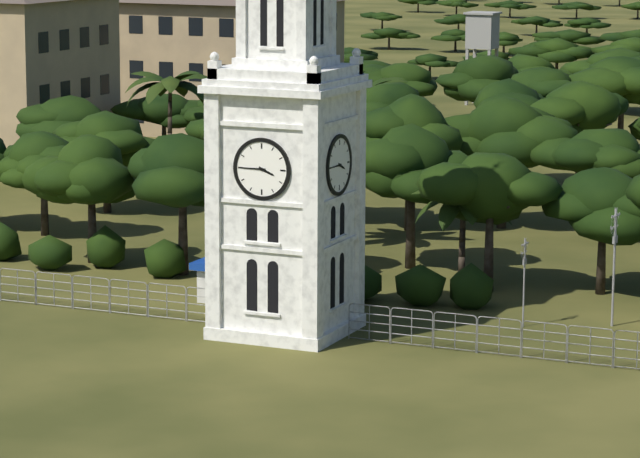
3 h 45 min
